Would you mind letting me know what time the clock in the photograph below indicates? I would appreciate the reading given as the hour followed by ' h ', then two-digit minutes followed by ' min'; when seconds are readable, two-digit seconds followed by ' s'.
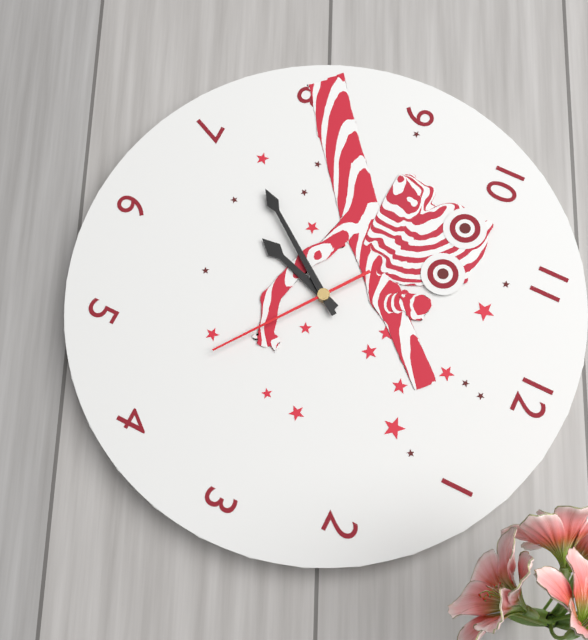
6 h 36 min 21 s
